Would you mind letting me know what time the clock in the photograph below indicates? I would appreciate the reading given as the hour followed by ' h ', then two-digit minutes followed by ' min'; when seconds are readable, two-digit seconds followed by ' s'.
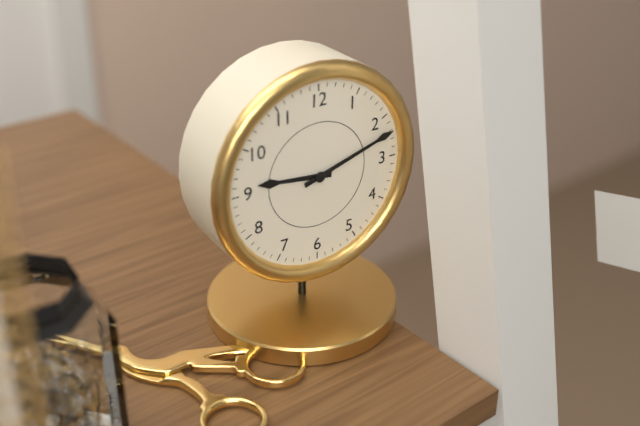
9 h 12 min
